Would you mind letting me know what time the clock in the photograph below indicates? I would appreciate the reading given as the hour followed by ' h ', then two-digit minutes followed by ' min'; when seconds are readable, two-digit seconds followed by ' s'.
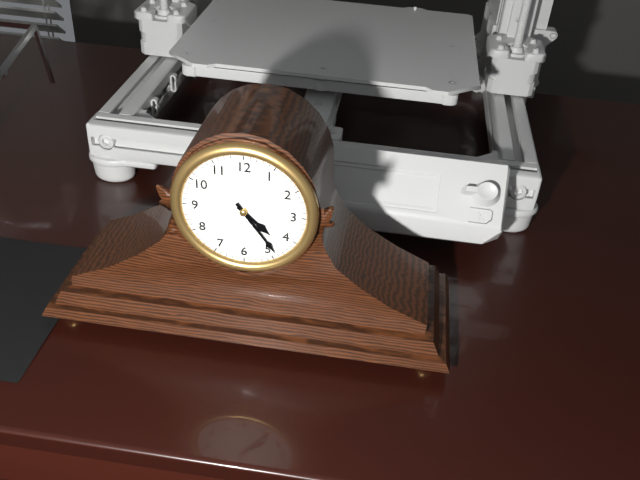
4 h 24 min
